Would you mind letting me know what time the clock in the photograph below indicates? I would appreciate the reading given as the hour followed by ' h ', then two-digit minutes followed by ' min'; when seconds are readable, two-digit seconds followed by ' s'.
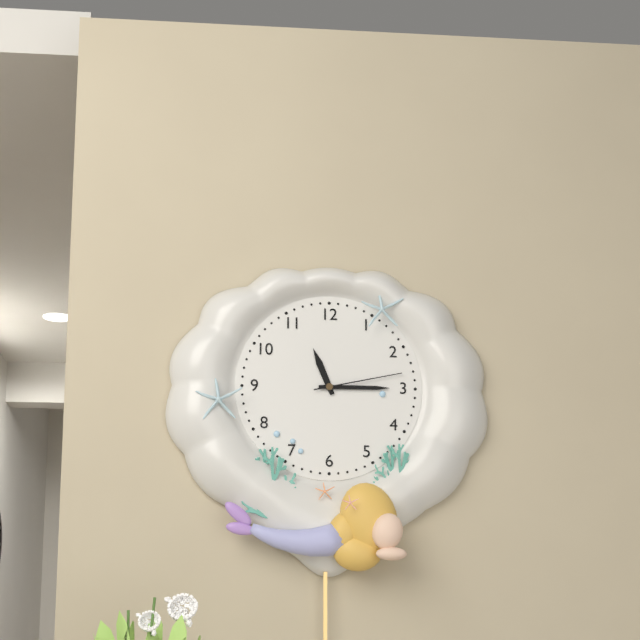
11 h 15 min 13 s
